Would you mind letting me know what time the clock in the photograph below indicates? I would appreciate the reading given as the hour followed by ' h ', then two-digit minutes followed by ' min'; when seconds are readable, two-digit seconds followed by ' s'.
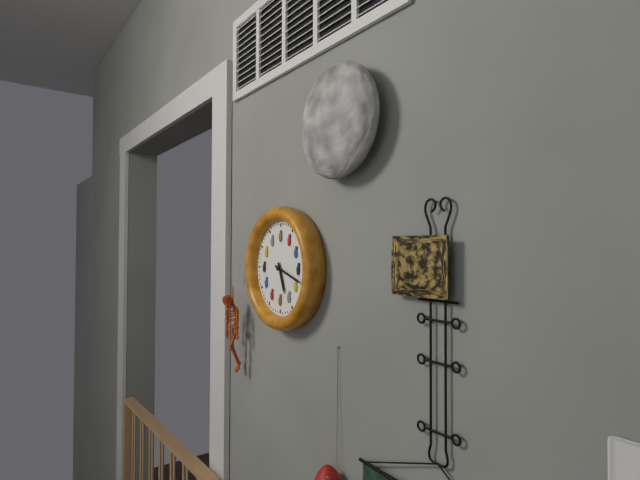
5 h 18 min
